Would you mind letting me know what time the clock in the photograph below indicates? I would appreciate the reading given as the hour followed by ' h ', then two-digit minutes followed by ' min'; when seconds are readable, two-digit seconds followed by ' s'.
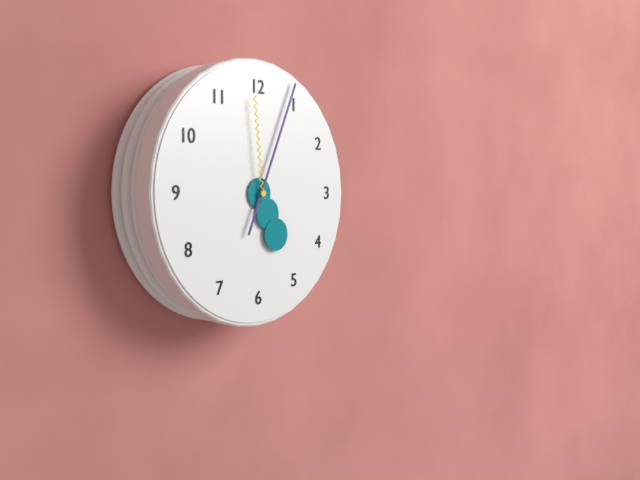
5 h 04 min 59 s
